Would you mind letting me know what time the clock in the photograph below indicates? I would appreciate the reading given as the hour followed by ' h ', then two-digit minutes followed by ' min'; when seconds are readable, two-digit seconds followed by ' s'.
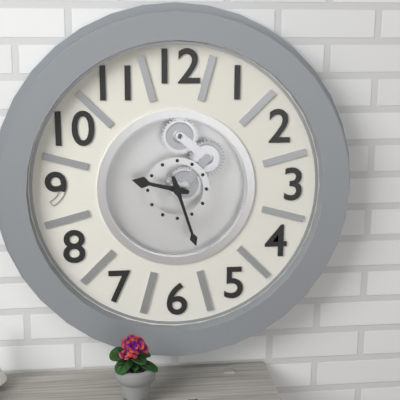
9 h 27 min
